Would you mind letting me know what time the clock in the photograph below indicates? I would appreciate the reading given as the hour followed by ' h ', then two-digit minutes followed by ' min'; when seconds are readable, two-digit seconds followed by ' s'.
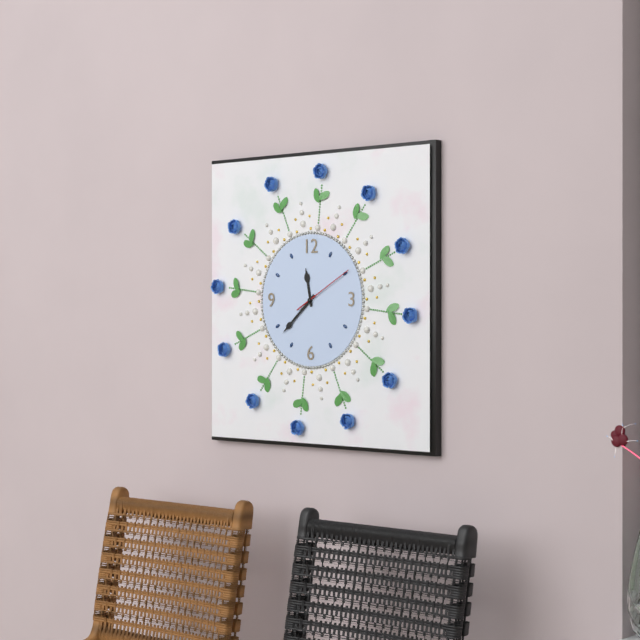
11 h 38 min 10 s
